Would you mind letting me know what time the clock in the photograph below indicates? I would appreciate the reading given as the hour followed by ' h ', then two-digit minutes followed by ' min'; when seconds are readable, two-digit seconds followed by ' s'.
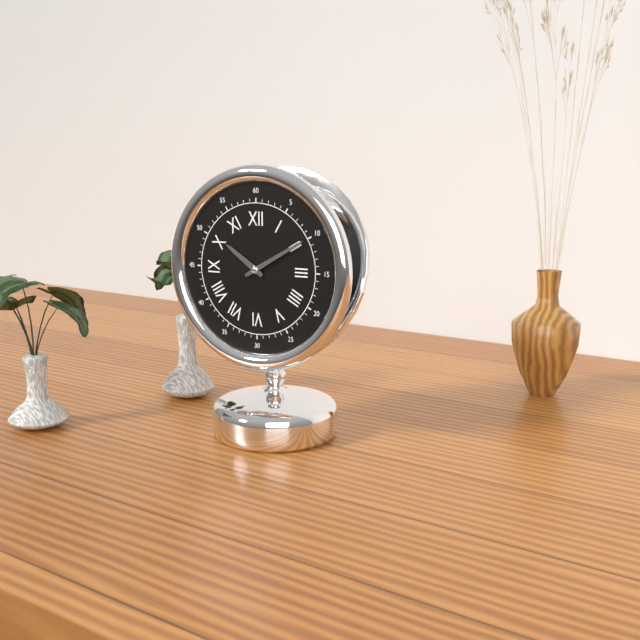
10 h 10 min
